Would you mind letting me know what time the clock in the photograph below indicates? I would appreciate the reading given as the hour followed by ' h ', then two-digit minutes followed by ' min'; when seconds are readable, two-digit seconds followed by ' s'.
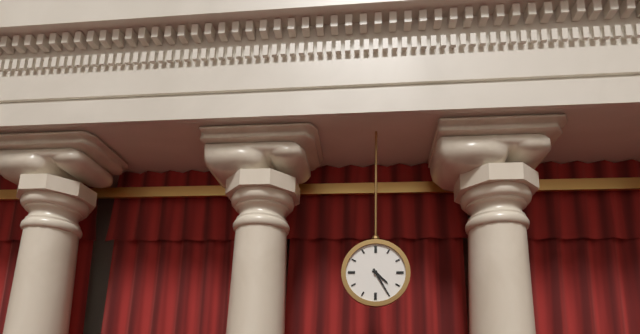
4 h 25 min
